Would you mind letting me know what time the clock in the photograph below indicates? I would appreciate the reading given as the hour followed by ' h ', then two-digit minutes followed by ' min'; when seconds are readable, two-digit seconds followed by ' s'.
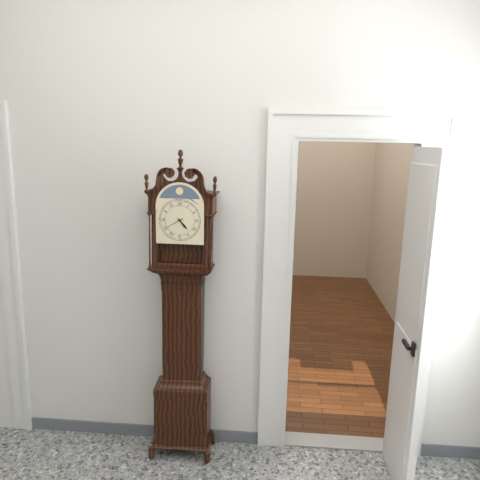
4 h 40 min
